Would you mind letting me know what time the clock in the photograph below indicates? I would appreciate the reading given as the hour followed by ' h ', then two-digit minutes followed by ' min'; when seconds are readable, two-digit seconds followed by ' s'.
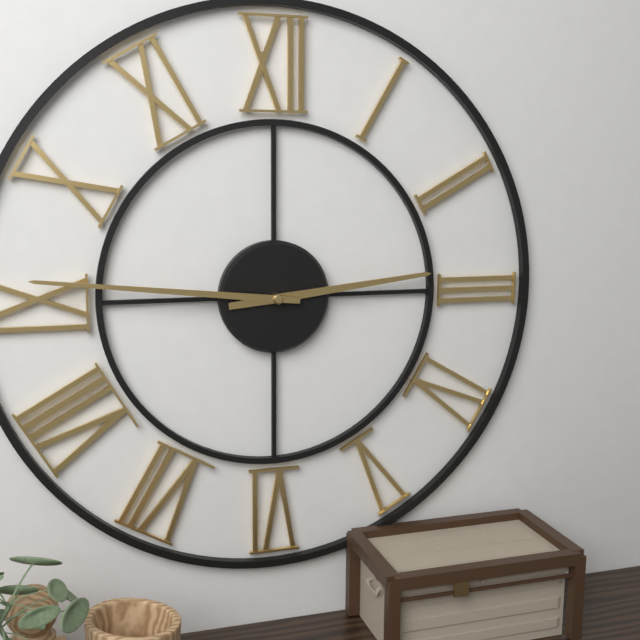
2 h 46 min
